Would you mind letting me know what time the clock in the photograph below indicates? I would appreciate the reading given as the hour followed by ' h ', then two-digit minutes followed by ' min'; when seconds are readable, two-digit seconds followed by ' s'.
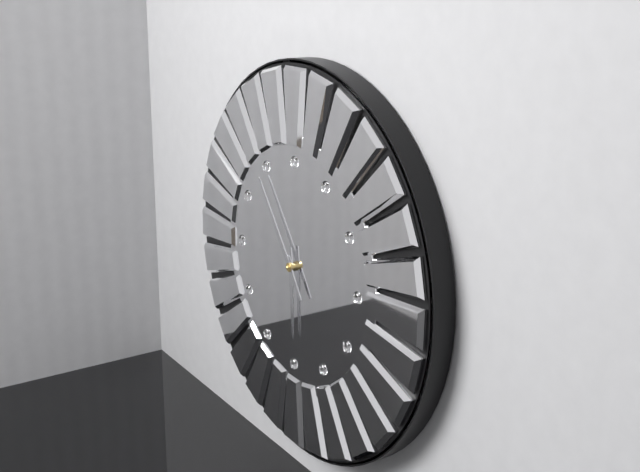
5 h 54 min
